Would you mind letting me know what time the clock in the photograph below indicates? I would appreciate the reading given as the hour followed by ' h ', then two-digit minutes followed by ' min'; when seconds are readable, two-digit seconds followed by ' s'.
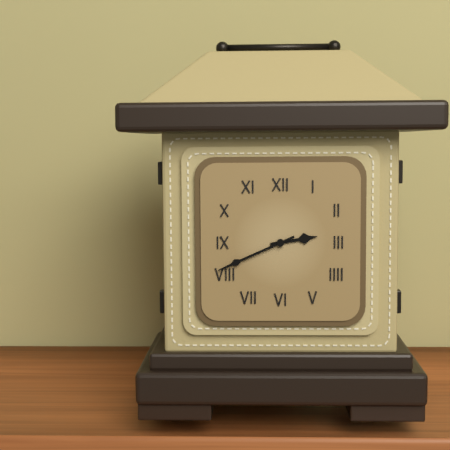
2 h 41 min
